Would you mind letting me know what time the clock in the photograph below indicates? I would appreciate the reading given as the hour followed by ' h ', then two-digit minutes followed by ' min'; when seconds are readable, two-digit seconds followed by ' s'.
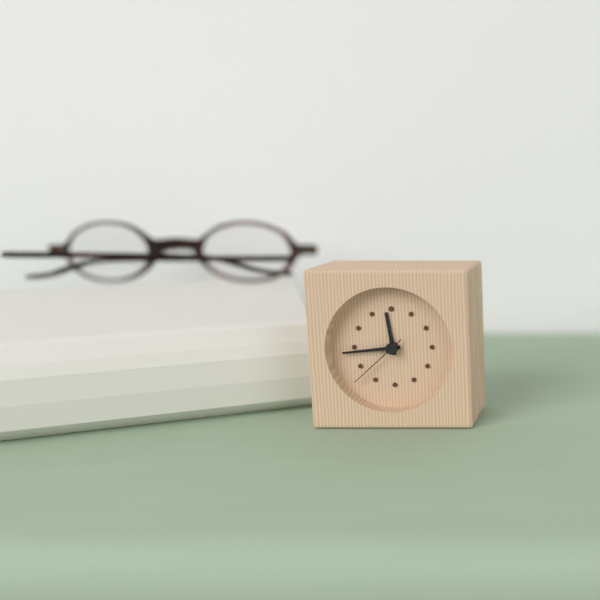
11 h 44 min 38 s
